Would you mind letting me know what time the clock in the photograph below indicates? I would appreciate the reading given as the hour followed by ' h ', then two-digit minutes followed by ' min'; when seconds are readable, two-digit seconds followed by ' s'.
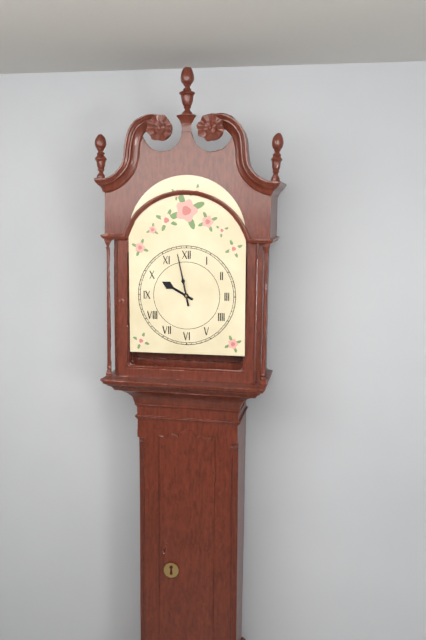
9 h 58 min
